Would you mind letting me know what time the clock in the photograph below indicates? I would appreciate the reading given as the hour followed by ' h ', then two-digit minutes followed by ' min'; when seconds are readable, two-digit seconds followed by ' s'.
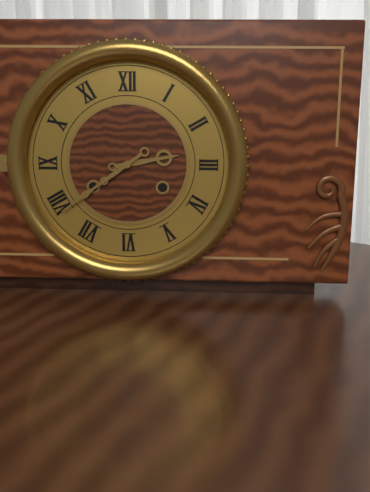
2 h 39 min
